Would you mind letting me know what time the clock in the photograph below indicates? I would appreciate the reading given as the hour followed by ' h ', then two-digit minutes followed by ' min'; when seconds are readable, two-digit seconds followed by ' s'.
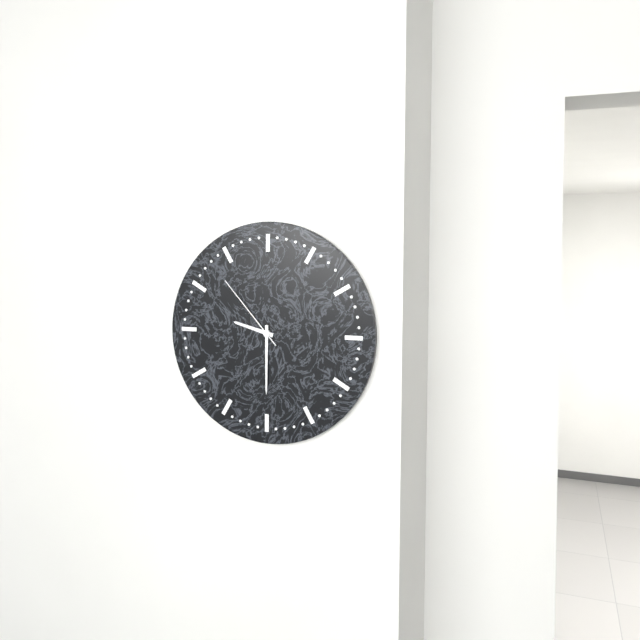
9 h 30 min 53 s
